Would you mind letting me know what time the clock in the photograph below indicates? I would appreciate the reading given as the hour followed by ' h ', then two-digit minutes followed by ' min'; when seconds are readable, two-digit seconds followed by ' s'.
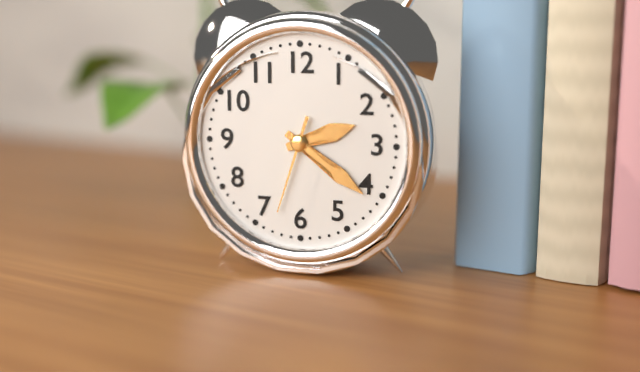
2 h 21 min 33 s
